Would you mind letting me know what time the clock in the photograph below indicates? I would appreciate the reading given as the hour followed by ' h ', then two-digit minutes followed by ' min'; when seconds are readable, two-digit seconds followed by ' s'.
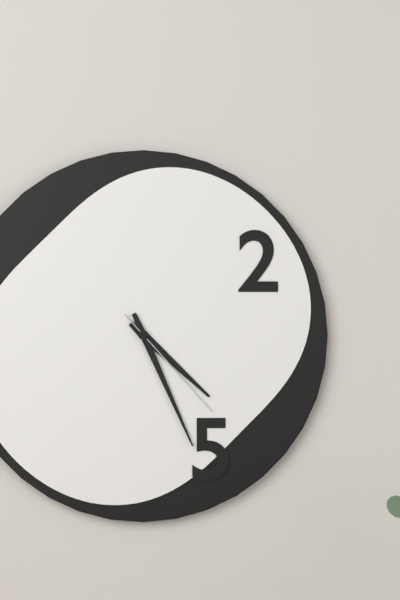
4 h 26 min 23 s
